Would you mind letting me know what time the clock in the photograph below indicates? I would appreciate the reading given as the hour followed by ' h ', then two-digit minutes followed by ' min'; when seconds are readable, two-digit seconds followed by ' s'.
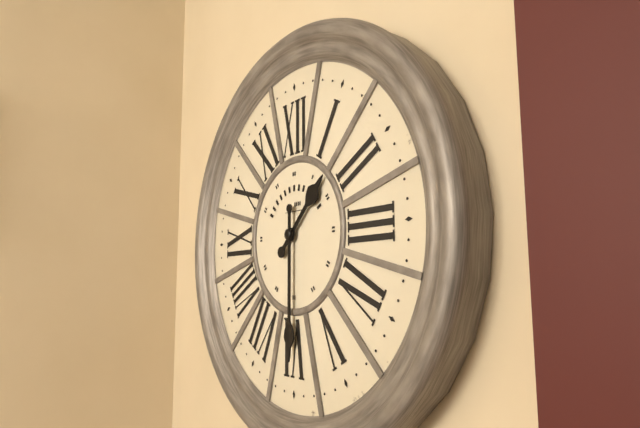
1 h 30 min
